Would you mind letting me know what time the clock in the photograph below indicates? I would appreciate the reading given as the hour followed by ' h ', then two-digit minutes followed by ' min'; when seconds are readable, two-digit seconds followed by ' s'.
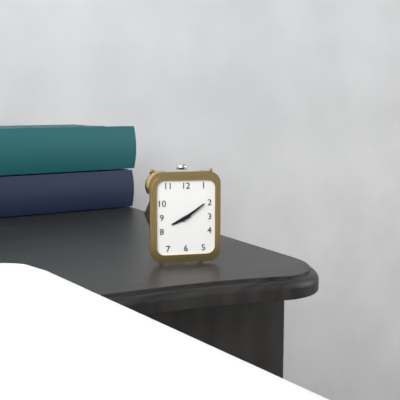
8 h 09 min
